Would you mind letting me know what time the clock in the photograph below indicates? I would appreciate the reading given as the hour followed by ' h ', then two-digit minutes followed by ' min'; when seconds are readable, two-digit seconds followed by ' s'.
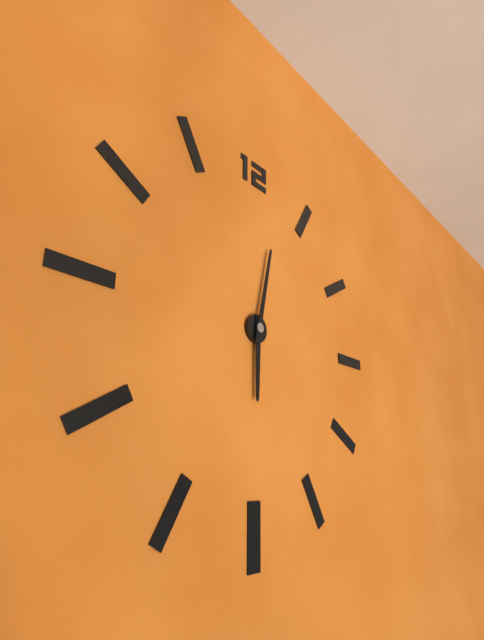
6 h 02 min
